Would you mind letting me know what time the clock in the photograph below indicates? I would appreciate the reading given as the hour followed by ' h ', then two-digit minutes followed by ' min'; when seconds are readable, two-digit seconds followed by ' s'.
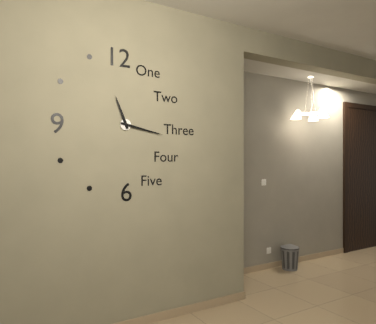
11 h 17 min
